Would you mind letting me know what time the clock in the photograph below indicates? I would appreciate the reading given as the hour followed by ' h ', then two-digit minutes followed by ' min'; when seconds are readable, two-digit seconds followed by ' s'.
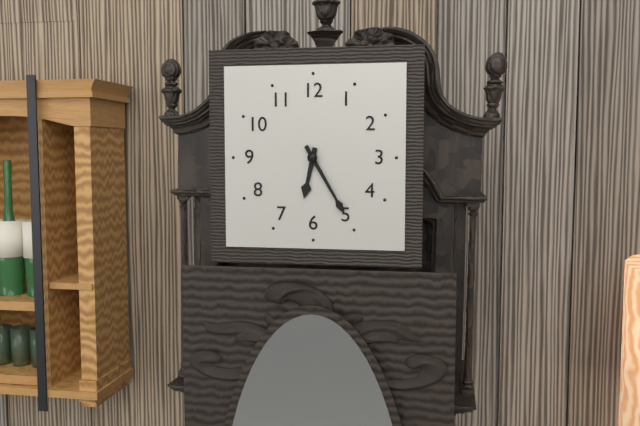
6 h 25 min
